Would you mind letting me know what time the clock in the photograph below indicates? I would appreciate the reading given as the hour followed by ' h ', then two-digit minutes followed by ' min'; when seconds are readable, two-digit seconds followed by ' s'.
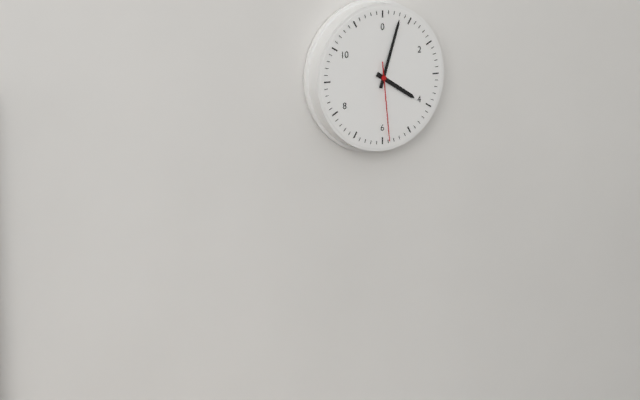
4 h 03 min 29 s
